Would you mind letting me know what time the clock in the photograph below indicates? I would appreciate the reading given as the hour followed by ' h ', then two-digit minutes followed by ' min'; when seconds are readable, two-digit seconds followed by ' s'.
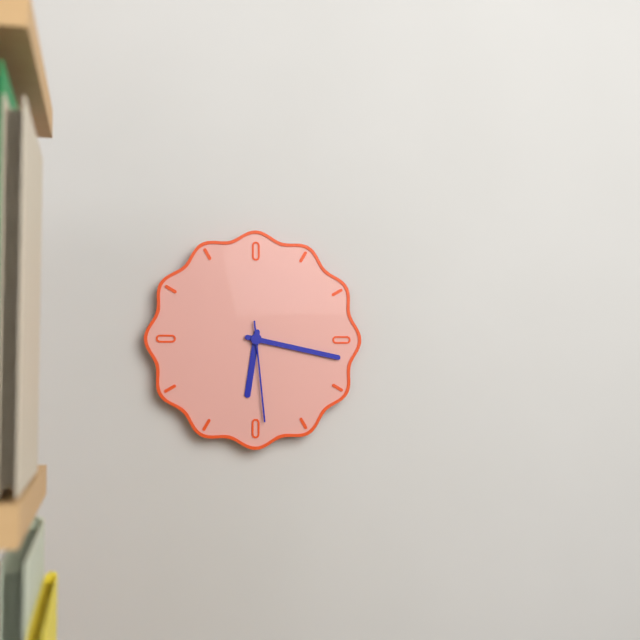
6 h 17 min 29 s
